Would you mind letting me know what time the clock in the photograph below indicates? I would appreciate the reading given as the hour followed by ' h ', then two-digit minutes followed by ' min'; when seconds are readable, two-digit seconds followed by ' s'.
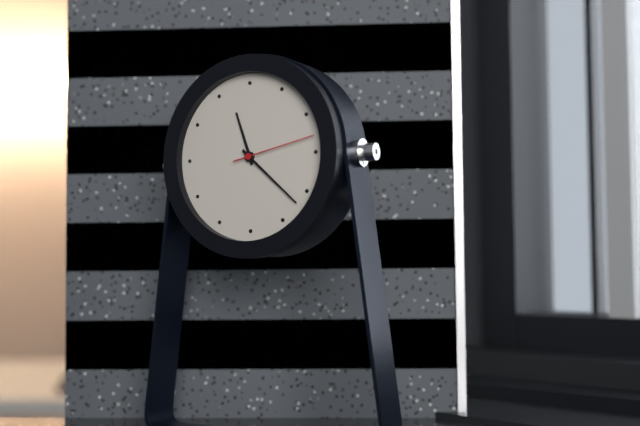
11 h 22 min 13 s
